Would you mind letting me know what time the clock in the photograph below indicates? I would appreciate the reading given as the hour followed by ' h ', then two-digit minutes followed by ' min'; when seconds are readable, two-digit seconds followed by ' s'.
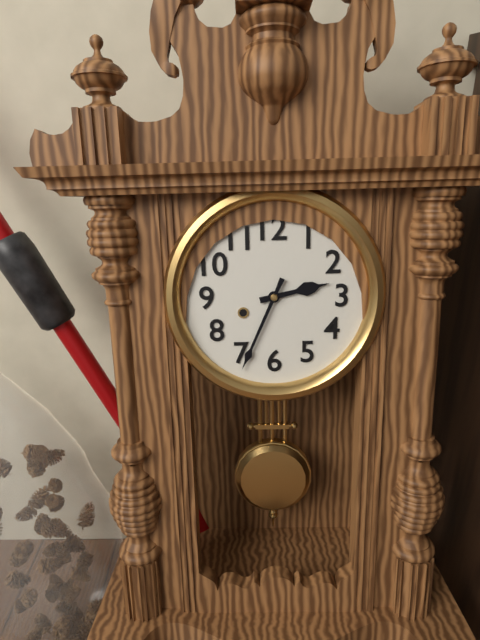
2 h 34 min
